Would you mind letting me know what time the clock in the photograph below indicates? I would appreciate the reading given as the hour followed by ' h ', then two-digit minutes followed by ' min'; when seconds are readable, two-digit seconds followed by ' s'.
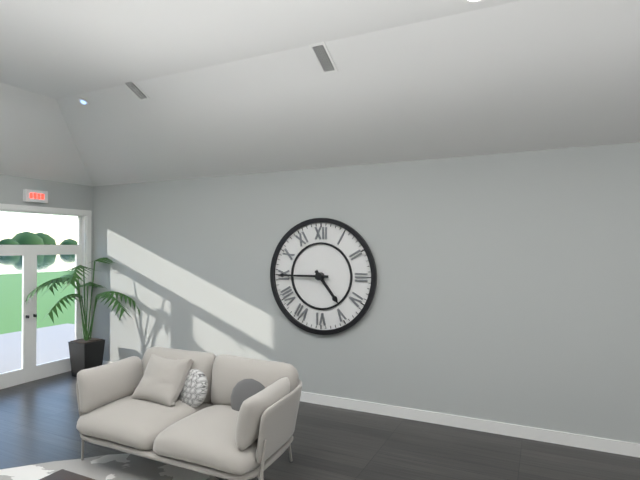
4 h 45 min
